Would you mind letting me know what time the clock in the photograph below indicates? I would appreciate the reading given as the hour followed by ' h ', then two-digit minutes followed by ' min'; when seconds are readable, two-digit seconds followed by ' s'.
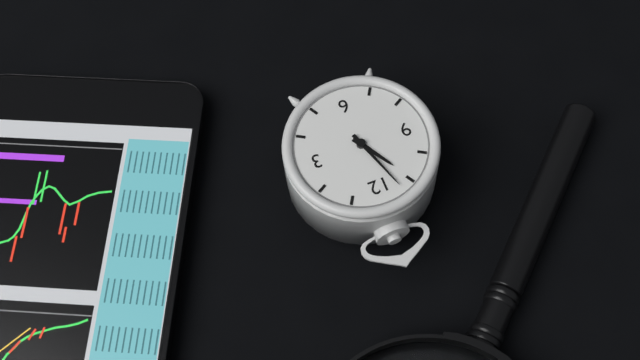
10 h 57 min
